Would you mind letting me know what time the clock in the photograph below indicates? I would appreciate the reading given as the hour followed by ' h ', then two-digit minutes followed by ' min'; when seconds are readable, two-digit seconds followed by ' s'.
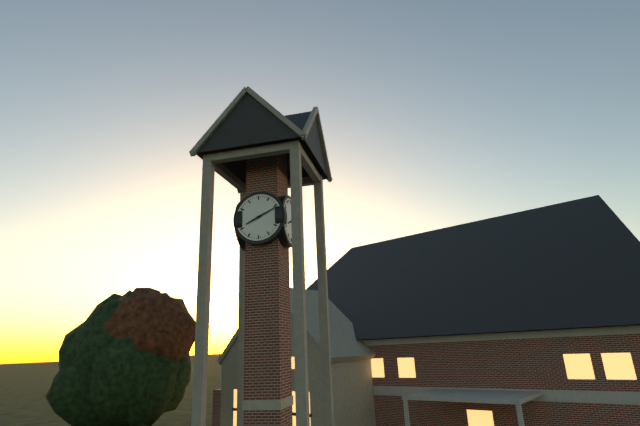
8 h 11 min
